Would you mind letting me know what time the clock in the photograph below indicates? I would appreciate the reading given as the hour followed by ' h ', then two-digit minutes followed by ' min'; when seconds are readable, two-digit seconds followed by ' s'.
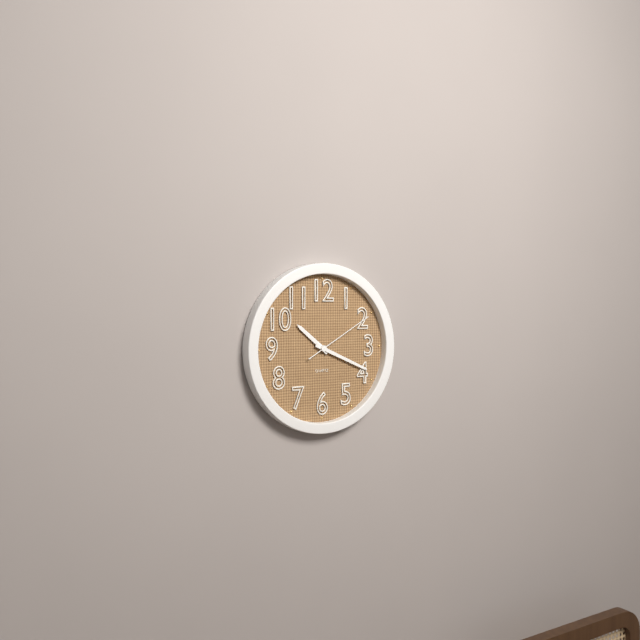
10 h 19 min 10 s
